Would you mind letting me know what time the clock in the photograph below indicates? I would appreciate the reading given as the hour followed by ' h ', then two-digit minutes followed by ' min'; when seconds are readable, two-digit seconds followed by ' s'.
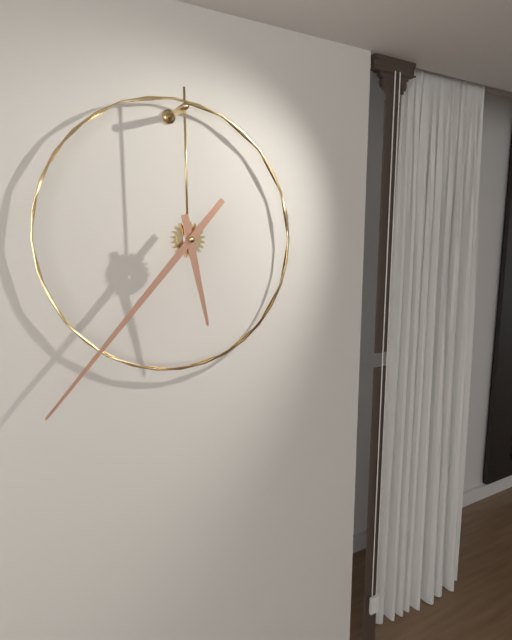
5 h 37 min
